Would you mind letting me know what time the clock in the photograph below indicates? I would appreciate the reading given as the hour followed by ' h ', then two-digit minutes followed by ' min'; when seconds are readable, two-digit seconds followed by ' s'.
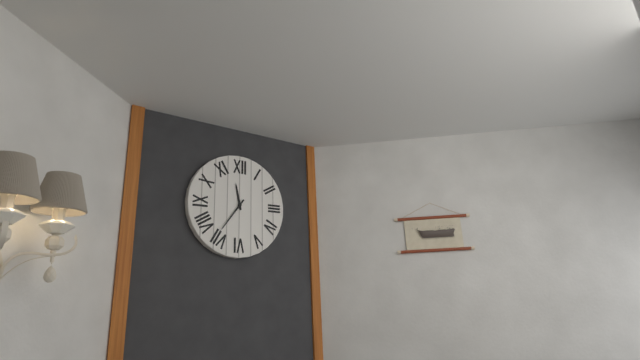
11 h 36 min
